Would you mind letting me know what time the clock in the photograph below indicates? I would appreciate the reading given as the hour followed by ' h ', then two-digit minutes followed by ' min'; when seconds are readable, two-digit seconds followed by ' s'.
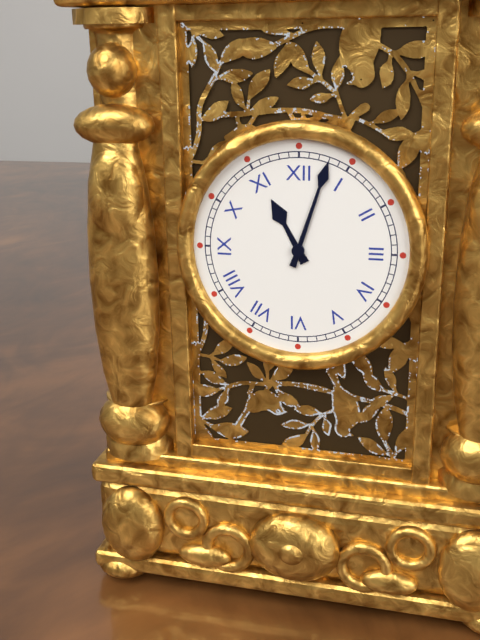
11 h 03 min
